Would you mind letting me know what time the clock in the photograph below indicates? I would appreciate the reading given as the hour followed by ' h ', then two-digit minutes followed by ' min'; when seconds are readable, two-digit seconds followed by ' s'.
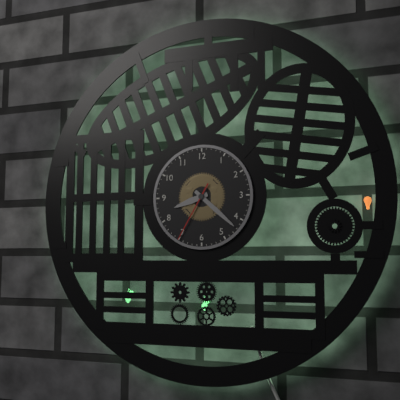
8 h 22 min 35 s
